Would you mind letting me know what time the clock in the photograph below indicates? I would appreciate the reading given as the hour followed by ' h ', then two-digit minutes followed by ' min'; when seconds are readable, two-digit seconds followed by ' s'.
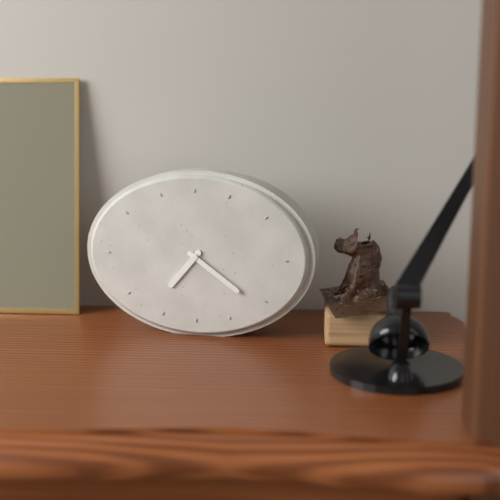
7 h 21 min
